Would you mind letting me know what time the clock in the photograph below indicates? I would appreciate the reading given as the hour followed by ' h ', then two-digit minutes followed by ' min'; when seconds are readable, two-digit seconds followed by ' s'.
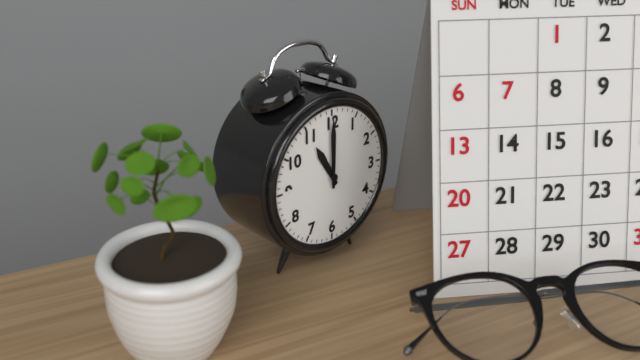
11 h 00 min
